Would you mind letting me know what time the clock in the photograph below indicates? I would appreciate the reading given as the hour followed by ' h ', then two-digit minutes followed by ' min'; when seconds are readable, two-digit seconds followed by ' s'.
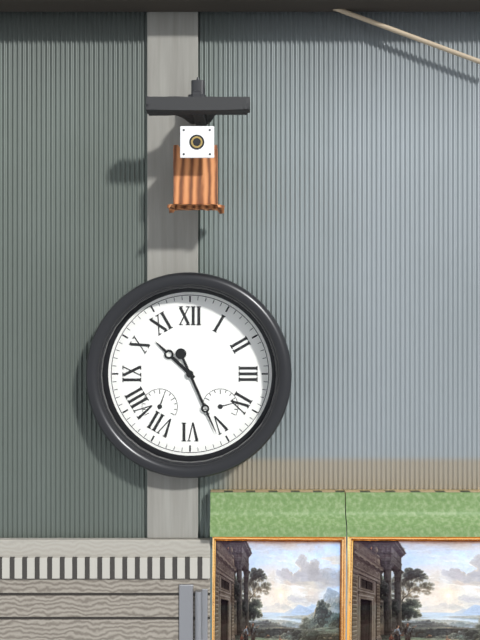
10 h 26 min
